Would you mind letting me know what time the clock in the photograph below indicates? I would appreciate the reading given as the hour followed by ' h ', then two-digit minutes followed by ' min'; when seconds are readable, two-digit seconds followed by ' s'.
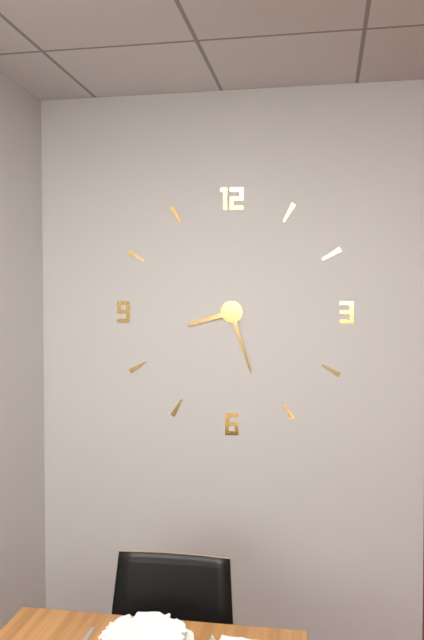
8 h 27 min
